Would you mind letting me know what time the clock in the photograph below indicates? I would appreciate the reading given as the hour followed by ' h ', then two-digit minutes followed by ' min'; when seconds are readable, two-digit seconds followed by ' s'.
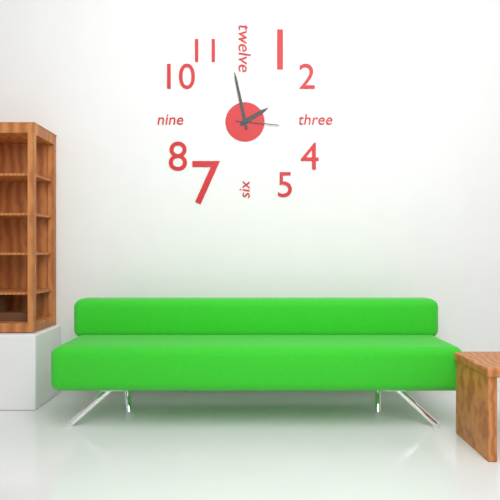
1 h 58 min
